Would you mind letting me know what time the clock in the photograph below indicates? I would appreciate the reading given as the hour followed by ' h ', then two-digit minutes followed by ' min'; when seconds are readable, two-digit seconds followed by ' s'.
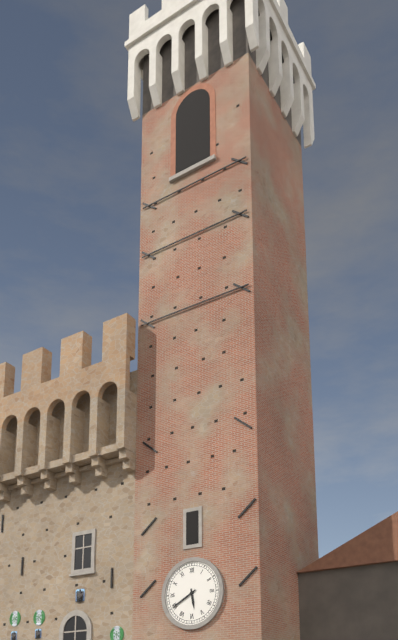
5 h 40 min
